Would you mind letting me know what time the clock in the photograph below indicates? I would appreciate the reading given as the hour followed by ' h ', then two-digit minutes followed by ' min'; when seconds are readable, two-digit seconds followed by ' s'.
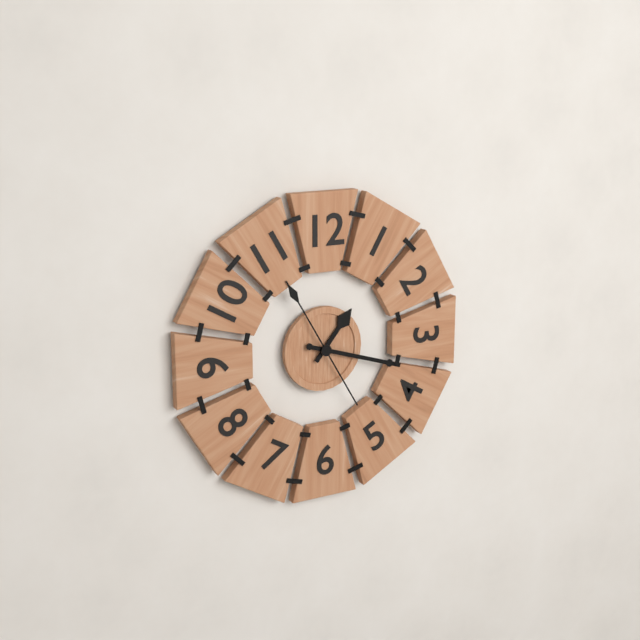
1 h 18 min 55 s
